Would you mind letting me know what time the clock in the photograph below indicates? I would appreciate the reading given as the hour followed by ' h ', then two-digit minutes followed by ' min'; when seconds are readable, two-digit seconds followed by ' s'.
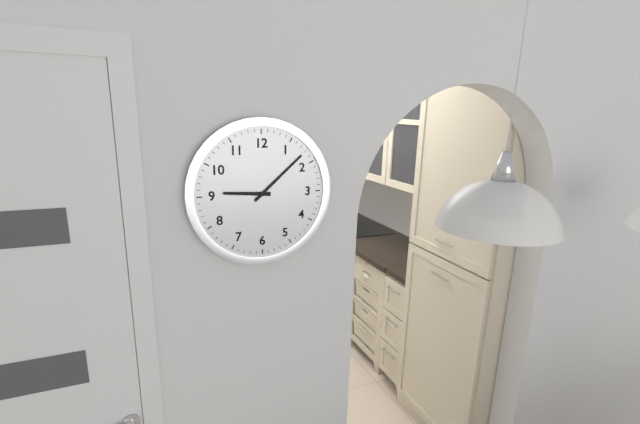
9 h 08 min
